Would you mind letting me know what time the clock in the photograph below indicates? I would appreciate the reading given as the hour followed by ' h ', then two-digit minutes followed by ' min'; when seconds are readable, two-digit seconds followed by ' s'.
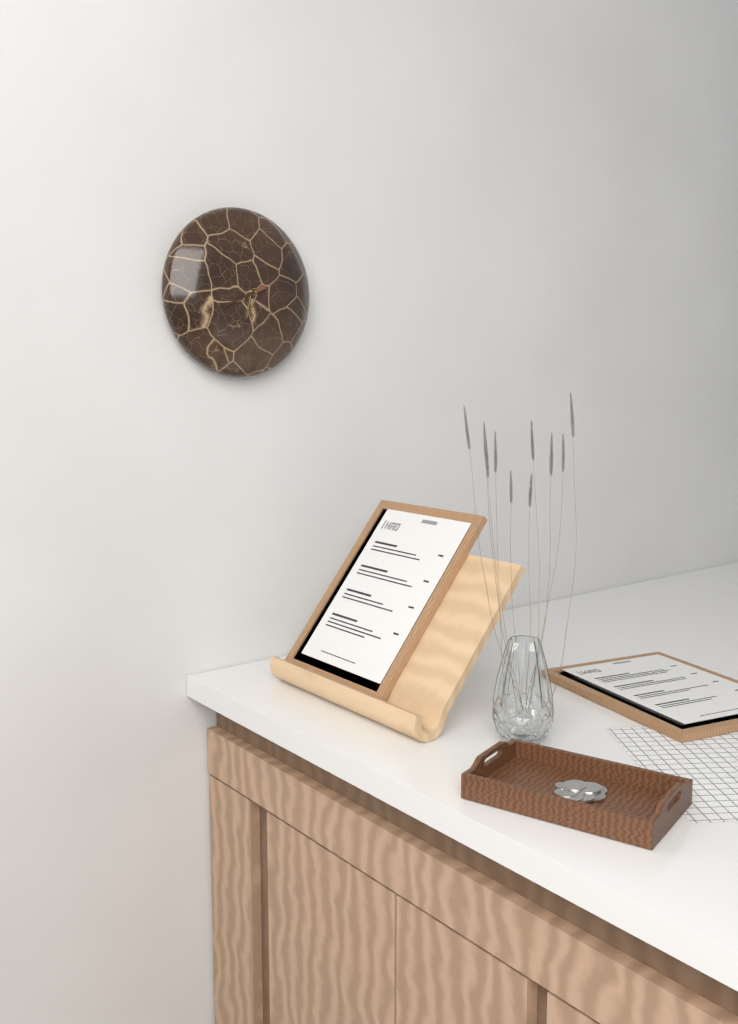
6 h 41 min
